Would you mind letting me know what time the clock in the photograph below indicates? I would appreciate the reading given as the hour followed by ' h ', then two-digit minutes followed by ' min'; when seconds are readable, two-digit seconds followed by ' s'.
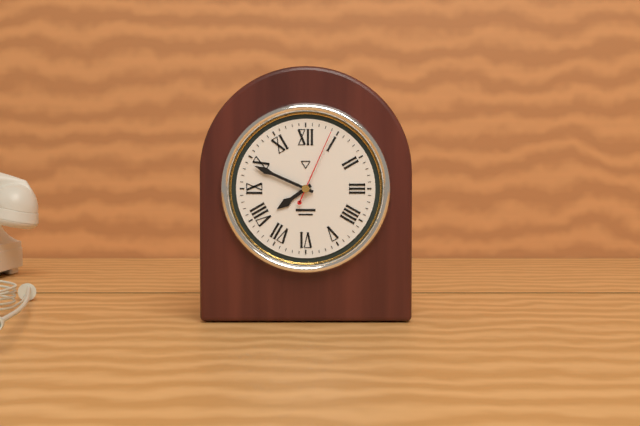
7 h 49 min 04 s
